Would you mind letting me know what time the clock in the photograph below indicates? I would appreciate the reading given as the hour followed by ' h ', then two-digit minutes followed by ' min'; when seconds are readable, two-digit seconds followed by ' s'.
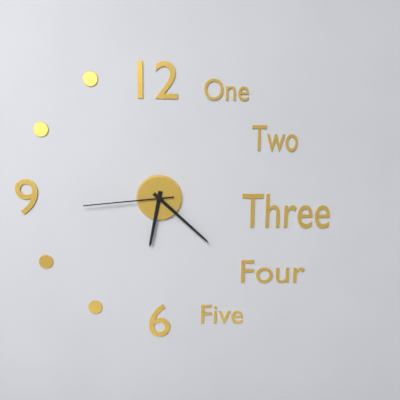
6 h 22 min 44 s
